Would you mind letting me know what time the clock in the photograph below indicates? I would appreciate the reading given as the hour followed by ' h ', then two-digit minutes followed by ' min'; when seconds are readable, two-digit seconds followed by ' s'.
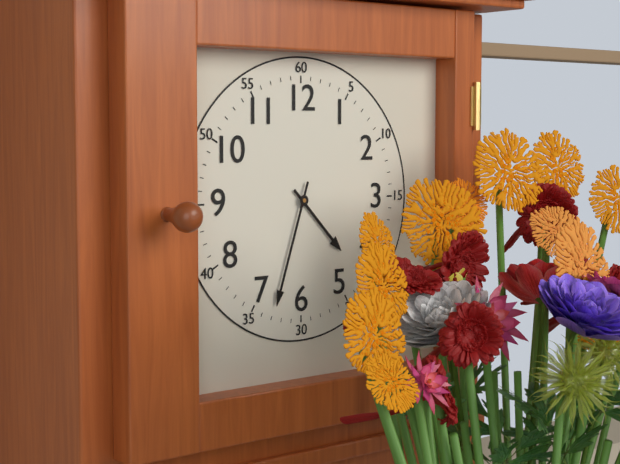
4 h 33 min
